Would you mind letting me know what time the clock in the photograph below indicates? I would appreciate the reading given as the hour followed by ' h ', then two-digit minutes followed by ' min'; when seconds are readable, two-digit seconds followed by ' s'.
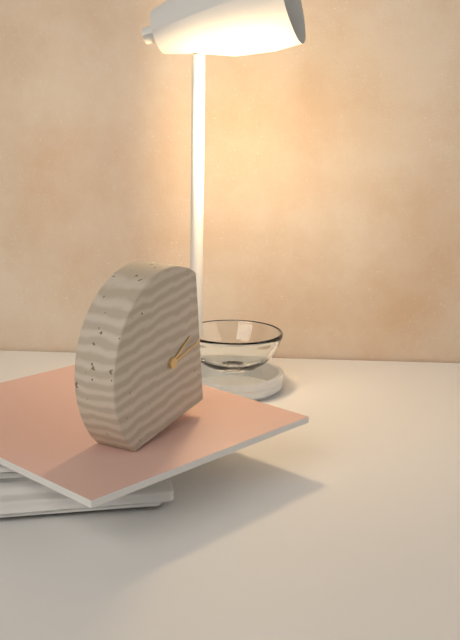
2 h 14 min
